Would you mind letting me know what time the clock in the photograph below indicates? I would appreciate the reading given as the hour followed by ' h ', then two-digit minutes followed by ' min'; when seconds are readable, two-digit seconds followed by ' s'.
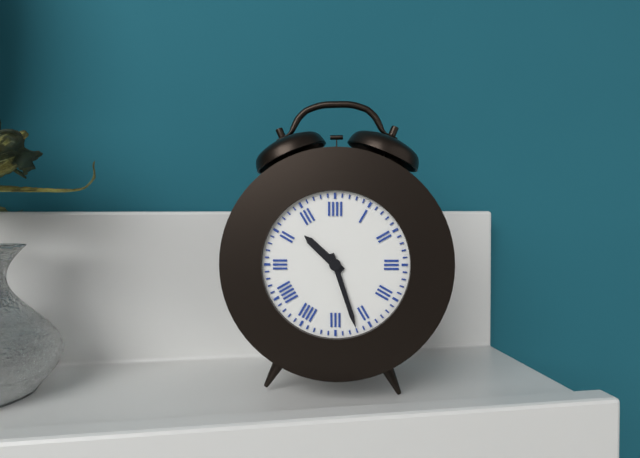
10 h 27 min
